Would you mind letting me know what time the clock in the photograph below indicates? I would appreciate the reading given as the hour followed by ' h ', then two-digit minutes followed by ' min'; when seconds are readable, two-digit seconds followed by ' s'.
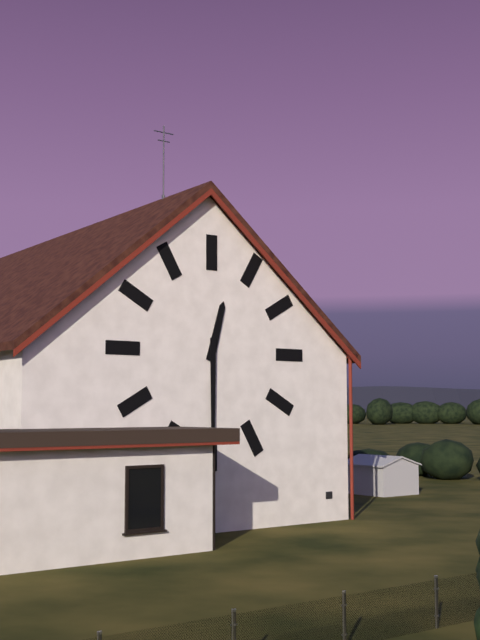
12 h 30 min
